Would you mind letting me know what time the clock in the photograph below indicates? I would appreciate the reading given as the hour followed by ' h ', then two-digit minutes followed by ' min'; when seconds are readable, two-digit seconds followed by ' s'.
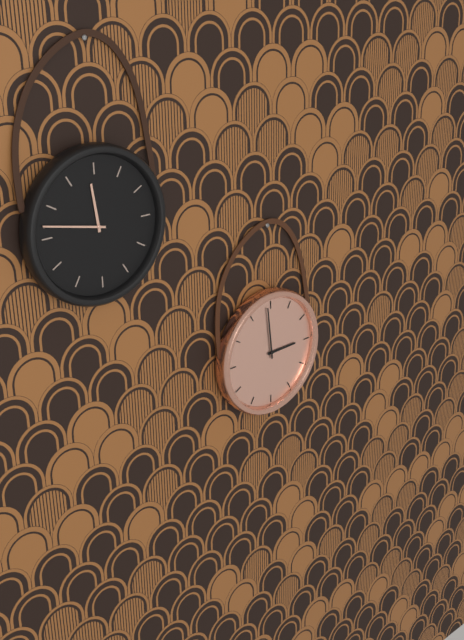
2 h 59 min
